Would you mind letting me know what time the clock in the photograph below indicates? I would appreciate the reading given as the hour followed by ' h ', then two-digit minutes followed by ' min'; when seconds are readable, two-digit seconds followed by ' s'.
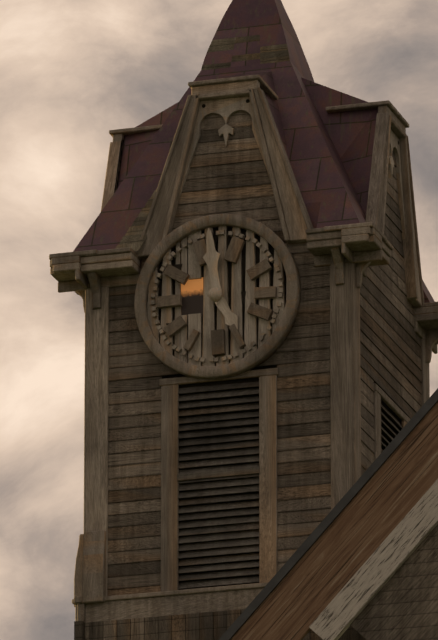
4 h 59 min
